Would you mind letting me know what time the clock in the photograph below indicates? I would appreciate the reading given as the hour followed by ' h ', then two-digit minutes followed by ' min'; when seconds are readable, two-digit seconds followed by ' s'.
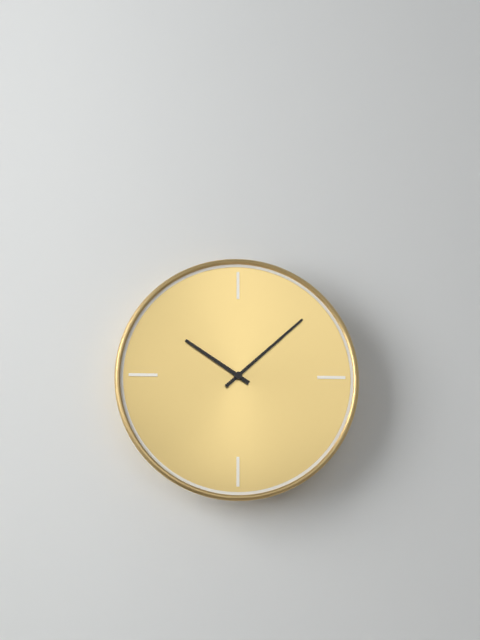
10 h 08 min
